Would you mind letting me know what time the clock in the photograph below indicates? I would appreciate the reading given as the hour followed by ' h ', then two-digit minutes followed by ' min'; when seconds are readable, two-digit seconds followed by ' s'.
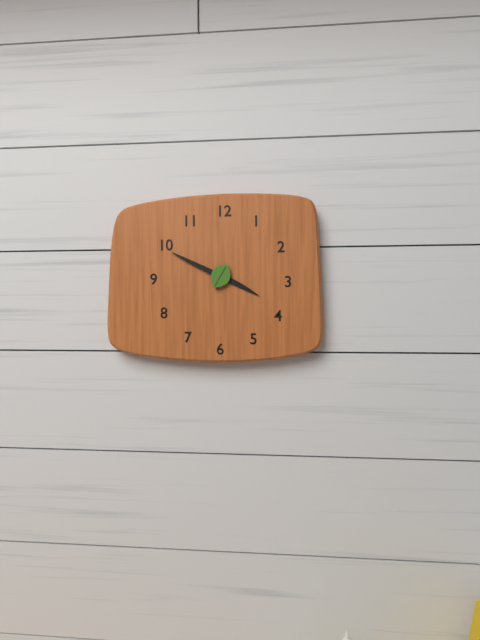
3 h 49 min
